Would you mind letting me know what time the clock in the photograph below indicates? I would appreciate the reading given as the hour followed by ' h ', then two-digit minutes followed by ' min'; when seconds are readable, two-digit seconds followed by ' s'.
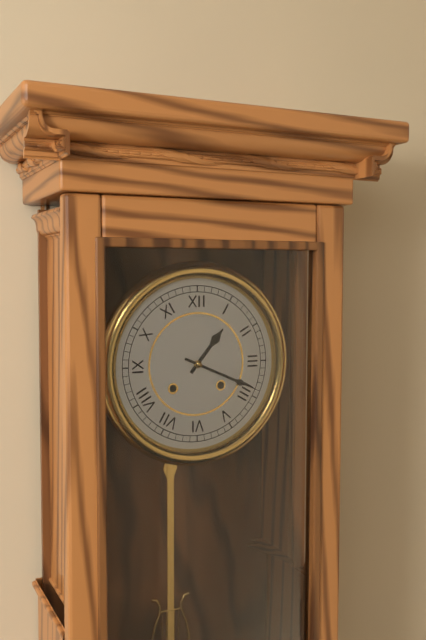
1 h 19 min
